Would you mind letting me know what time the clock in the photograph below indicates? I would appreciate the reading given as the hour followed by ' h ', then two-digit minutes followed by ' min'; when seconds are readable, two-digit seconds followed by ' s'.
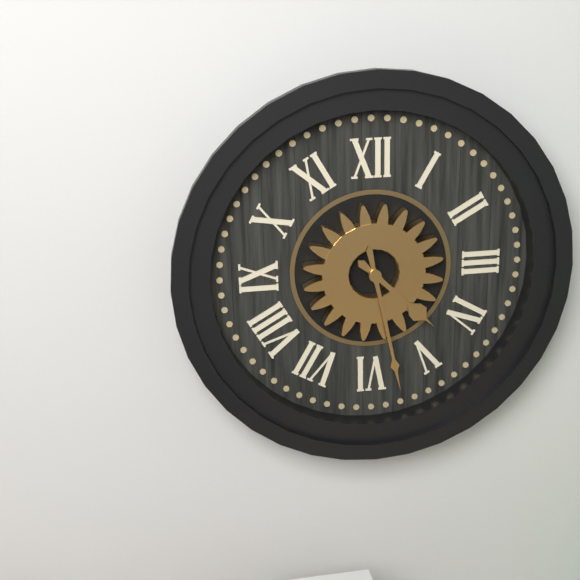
4 h 28 min
